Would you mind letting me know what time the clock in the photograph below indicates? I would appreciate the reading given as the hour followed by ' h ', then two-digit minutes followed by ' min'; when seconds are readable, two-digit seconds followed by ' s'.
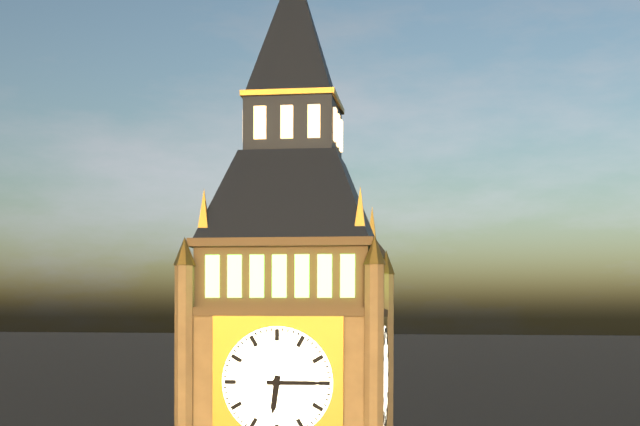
6 h 15 min
